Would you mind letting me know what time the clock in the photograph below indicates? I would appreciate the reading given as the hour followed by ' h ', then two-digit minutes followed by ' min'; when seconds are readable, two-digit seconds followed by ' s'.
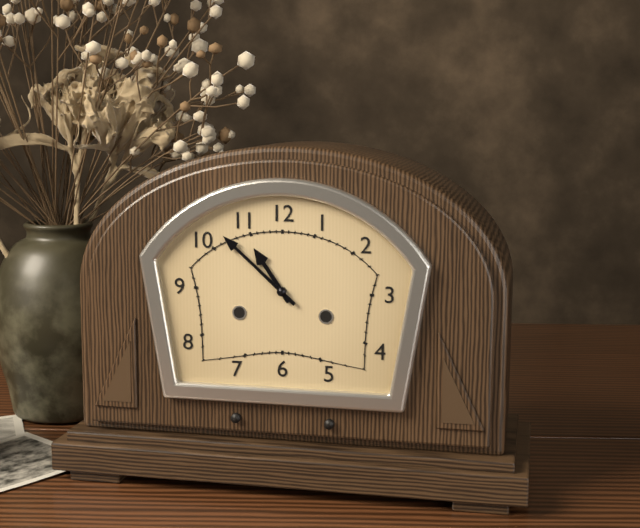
10 h 52 min
